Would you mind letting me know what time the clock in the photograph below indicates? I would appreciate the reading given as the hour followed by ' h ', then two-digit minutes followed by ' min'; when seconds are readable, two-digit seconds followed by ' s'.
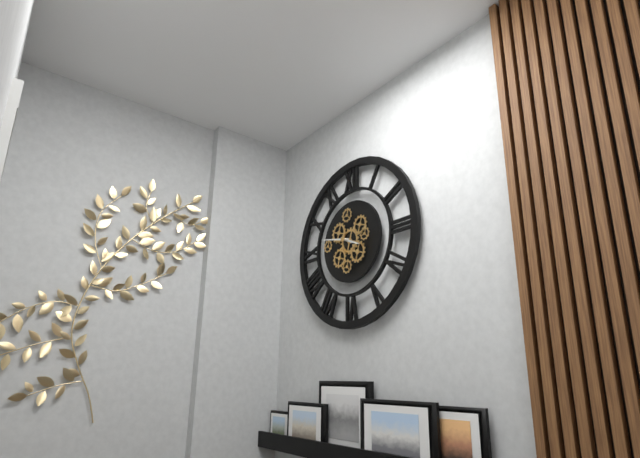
3 h 47 min
